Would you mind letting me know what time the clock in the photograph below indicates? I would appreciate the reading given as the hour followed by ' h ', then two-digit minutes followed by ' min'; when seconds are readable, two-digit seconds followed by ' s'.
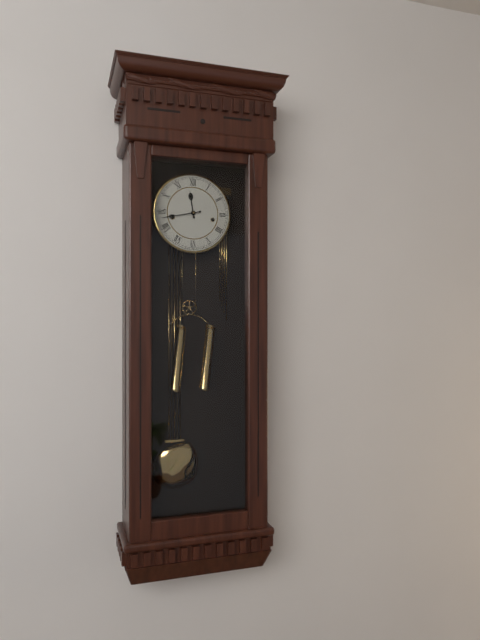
11 h 43 min
